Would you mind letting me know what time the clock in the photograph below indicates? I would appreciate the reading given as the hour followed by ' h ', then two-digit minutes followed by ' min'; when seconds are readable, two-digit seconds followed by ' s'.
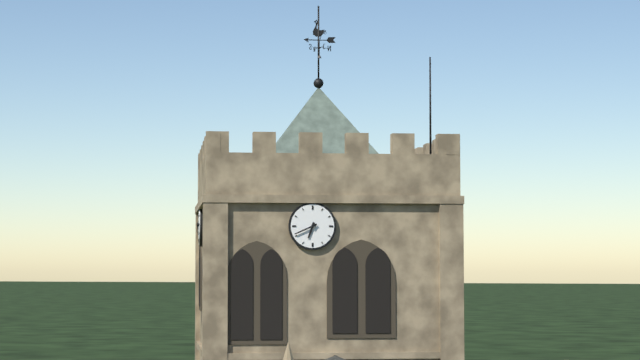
6 h 41 min
